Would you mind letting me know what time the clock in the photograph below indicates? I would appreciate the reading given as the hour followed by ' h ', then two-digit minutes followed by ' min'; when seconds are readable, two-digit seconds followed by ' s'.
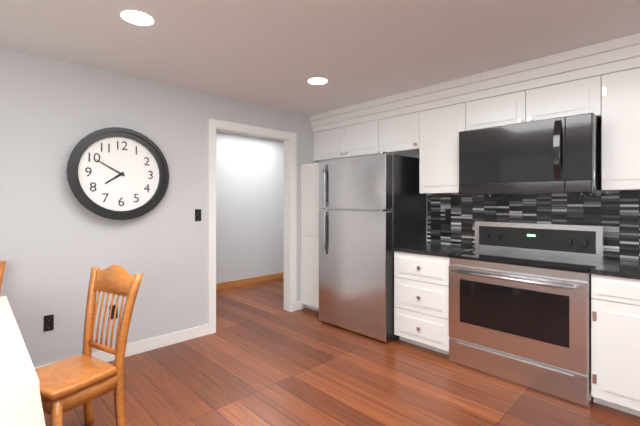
7 h 50 min
